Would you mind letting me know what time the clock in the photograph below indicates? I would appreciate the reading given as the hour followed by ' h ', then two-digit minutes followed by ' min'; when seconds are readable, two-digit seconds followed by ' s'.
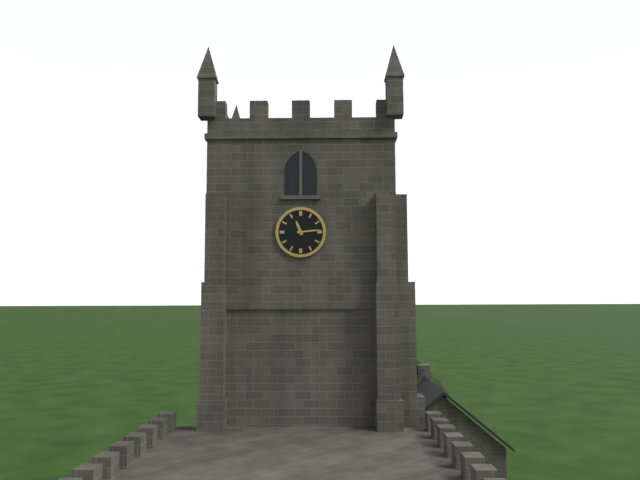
11 h 14 min
